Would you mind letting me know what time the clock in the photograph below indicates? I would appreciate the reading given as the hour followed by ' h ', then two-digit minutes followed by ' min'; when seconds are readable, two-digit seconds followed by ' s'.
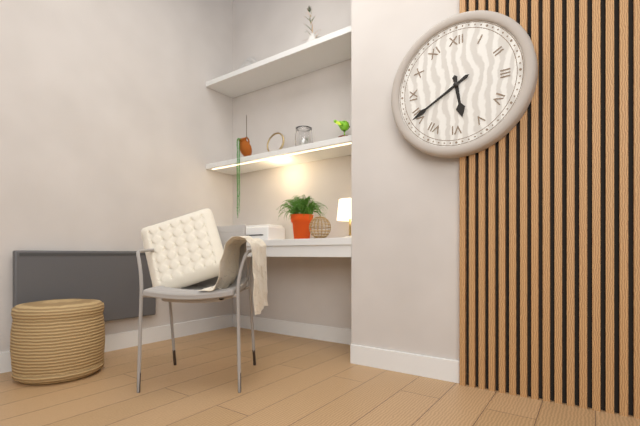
5 h 40 min
